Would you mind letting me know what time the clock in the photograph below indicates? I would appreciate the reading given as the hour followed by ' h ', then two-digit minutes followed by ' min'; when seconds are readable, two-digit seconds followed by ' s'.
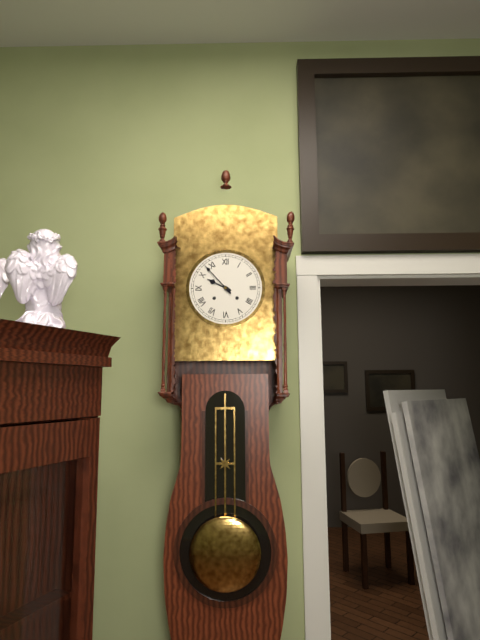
9 h 53 min
